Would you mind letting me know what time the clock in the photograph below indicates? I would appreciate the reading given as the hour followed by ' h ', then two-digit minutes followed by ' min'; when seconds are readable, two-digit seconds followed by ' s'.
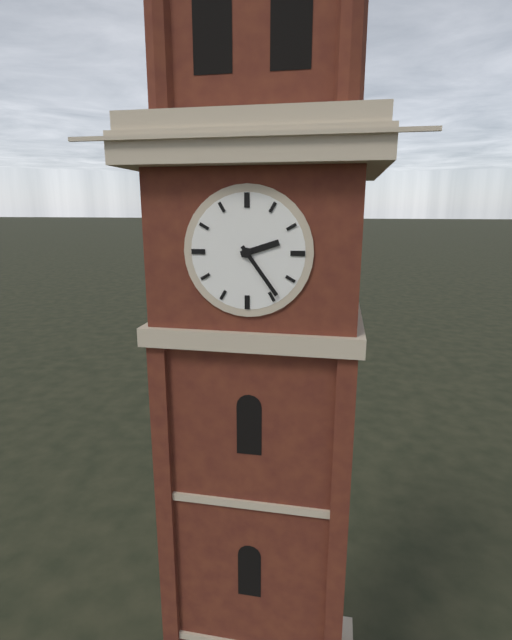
2 h 24 min
